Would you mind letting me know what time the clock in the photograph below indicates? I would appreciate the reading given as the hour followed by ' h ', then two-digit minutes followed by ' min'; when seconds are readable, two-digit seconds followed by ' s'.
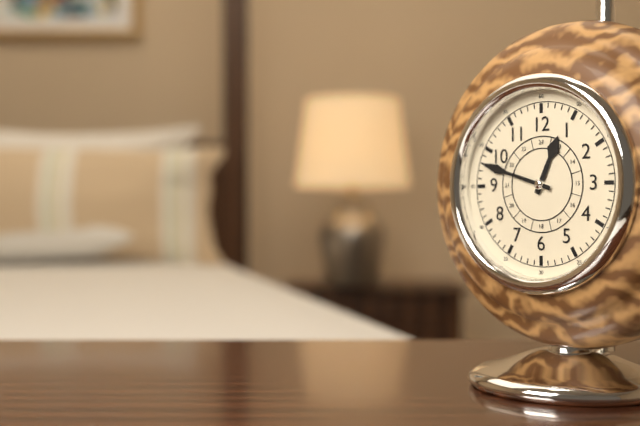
12 h 48 min
